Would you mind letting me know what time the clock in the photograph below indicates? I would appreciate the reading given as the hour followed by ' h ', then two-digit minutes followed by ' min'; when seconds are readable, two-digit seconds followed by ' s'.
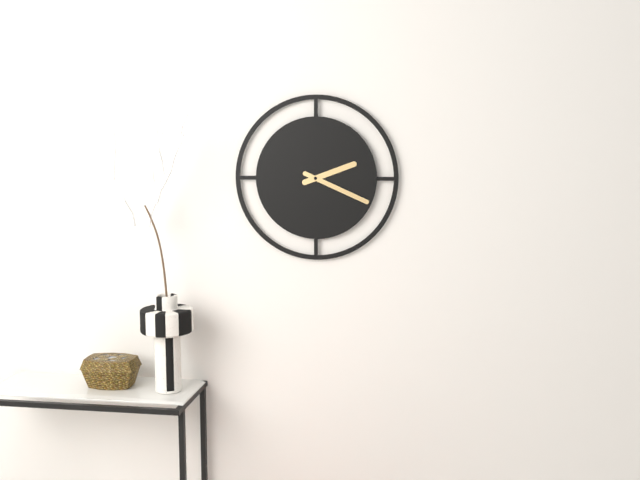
2 h 19 min
